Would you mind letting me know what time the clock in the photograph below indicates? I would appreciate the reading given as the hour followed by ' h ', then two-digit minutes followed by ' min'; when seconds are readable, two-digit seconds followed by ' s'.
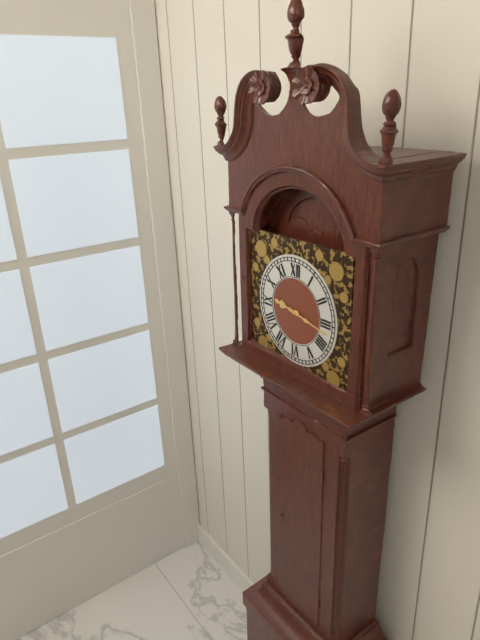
9 h 17 min
